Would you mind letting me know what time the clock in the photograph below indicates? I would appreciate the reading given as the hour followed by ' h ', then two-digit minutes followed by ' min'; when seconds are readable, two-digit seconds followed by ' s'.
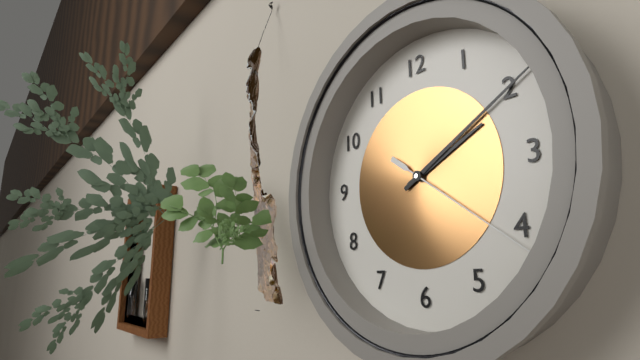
2 h 10 min 21 s
